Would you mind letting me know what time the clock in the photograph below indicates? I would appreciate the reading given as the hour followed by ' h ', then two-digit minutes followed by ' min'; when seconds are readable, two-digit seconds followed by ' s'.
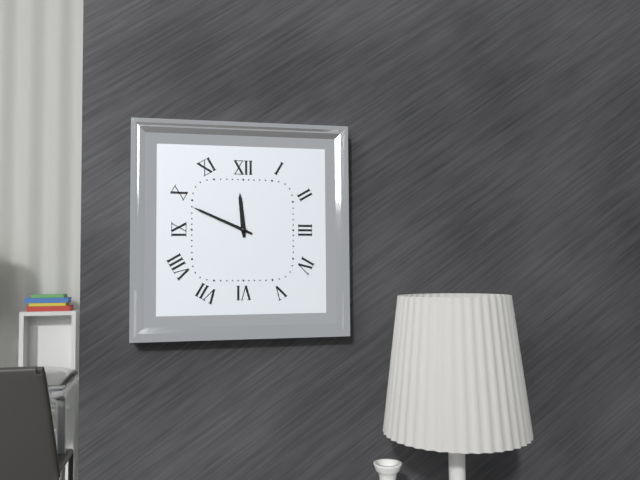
11 h 49 min
